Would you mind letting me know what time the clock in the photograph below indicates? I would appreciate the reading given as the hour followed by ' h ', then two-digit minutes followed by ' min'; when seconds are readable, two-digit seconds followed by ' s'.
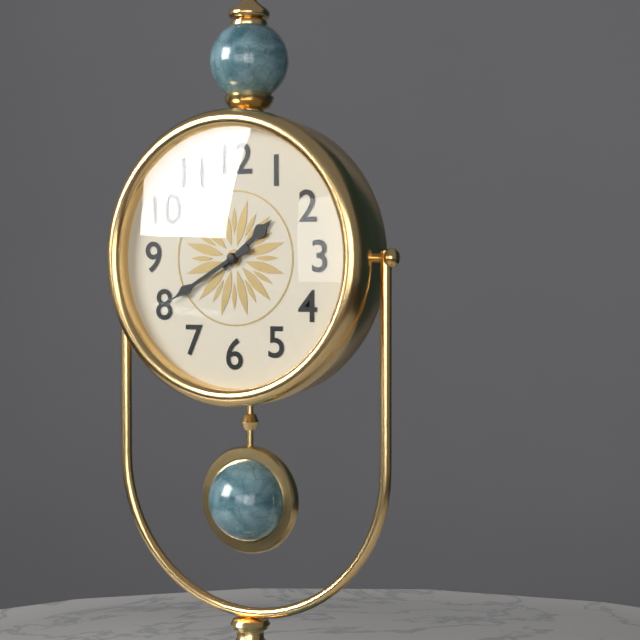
1 h 40 min
